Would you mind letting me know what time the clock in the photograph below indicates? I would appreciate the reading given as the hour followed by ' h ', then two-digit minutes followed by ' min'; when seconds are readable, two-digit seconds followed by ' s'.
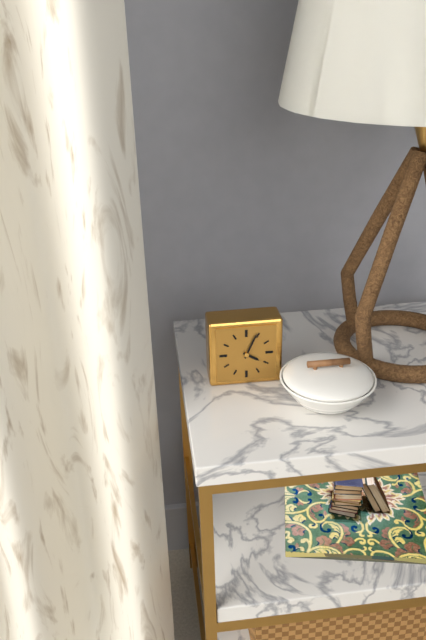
4 h 04 min
